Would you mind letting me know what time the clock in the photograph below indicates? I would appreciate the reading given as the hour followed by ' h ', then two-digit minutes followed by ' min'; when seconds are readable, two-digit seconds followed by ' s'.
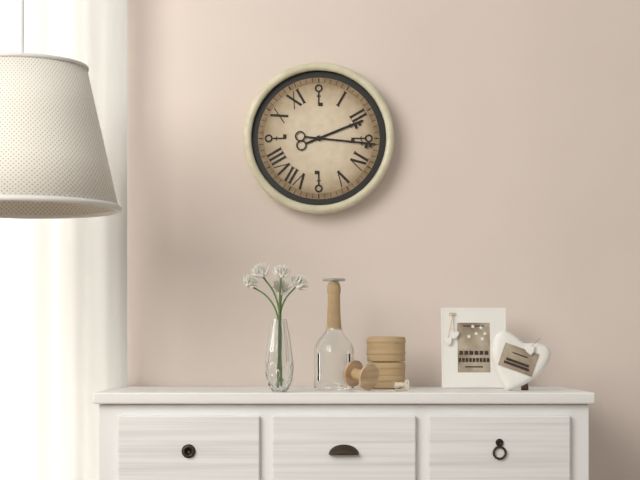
2 h 16 min
